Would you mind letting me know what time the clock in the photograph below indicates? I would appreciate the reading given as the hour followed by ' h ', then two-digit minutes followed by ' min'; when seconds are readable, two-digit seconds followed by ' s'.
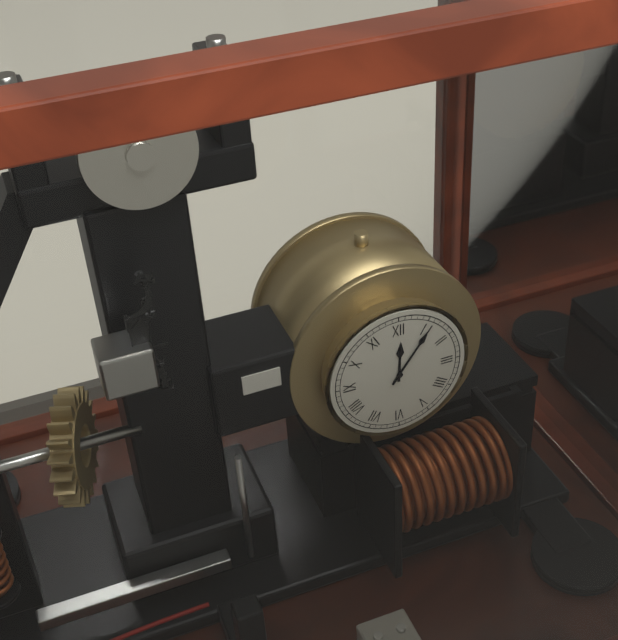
12 h 06 min
